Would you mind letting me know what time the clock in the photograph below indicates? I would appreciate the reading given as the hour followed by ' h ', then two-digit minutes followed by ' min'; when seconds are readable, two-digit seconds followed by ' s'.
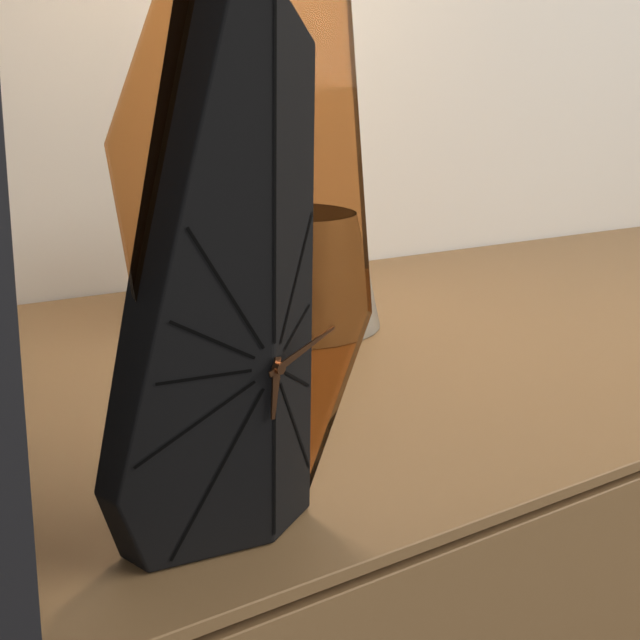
6 h 12 min
